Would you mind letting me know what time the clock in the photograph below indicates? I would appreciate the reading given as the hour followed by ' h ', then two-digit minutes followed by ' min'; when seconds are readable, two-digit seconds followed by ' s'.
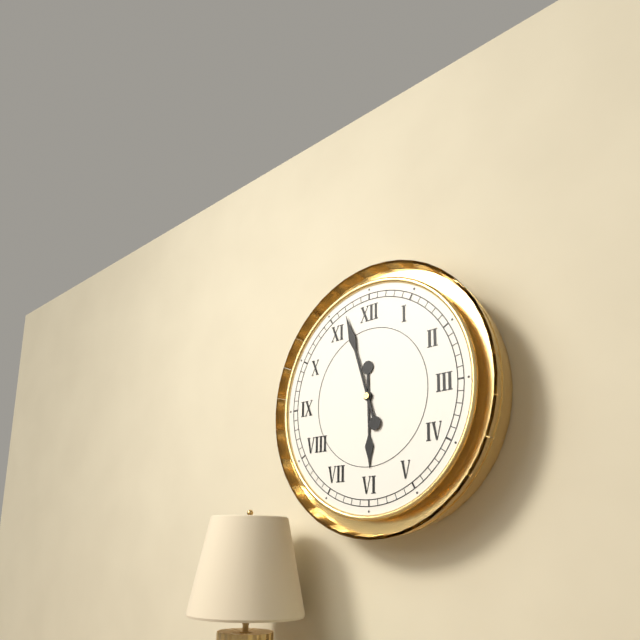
5 h 57 min
